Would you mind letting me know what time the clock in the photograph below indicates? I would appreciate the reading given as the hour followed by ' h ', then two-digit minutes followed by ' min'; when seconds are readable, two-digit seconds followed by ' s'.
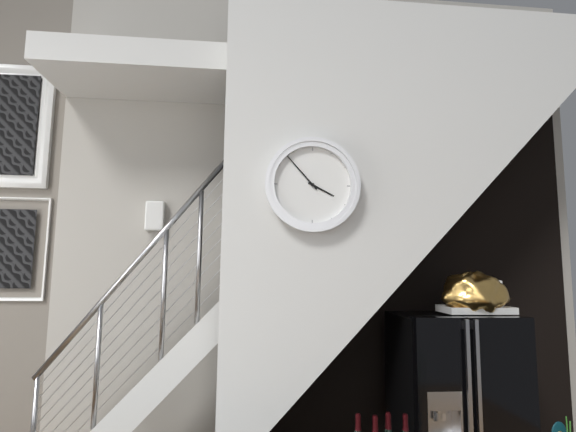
3 h 53 min
